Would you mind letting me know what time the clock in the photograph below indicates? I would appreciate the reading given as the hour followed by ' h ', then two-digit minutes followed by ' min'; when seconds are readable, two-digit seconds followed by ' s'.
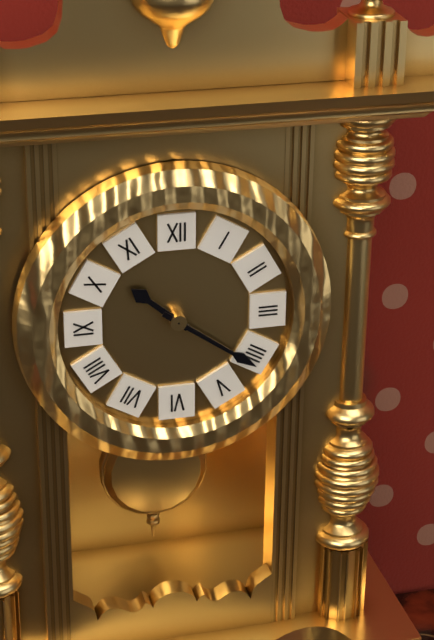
10 h 21 min
